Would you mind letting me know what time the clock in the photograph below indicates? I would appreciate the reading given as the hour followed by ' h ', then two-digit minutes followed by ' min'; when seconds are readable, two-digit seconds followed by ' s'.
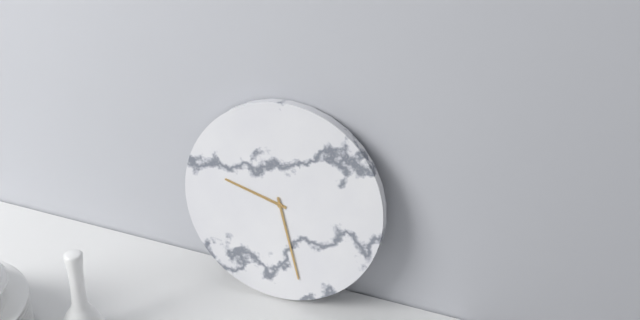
9 h 27 min
